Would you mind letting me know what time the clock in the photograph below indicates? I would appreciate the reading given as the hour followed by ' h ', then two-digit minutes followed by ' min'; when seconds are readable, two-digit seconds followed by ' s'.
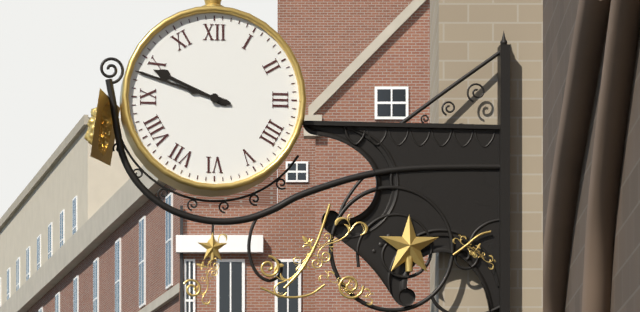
9 h 48 min
